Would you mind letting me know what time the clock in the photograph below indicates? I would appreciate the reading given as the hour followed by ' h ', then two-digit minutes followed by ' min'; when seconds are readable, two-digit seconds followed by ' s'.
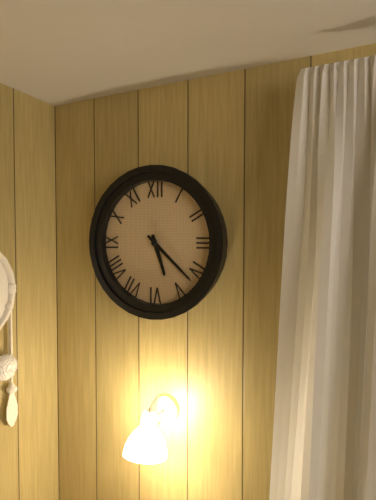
5 h 22 min
